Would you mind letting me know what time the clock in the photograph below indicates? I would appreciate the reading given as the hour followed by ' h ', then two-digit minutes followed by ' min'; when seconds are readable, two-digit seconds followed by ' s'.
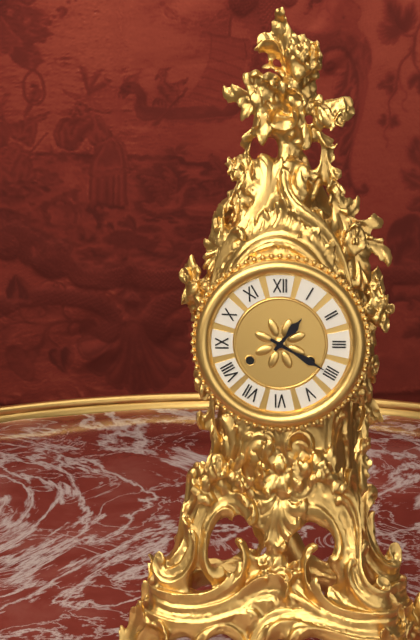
1 h 20 min
